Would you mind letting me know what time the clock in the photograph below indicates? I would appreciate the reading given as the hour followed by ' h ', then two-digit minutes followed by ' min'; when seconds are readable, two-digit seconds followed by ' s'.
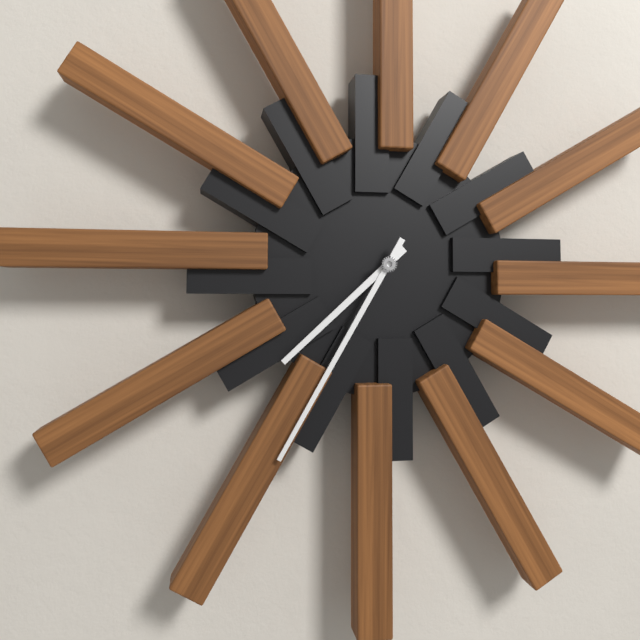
7 h 35 min
